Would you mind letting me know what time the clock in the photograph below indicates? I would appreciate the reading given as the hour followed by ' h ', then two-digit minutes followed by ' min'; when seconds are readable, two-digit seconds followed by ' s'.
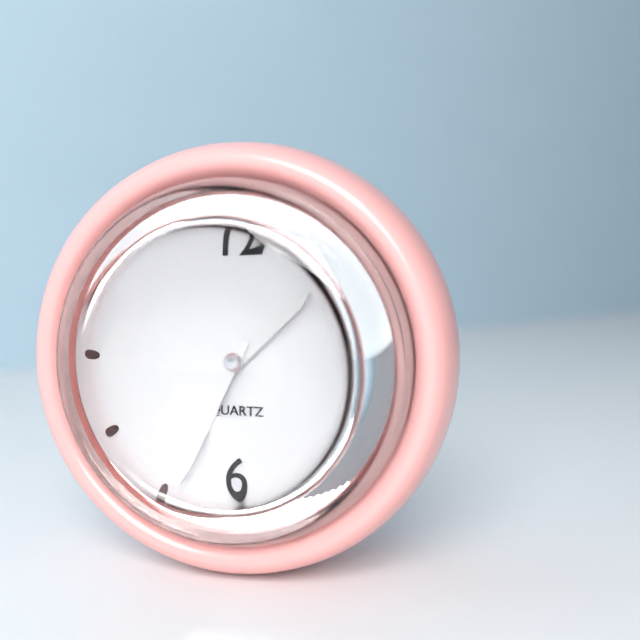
1 h 34 min
